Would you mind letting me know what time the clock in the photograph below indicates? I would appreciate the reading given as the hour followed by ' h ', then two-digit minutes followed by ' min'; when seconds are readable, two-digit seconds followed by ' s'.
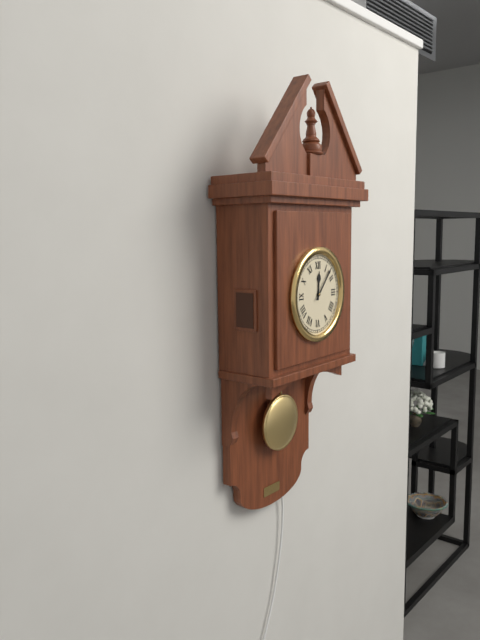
12 h 07 min
